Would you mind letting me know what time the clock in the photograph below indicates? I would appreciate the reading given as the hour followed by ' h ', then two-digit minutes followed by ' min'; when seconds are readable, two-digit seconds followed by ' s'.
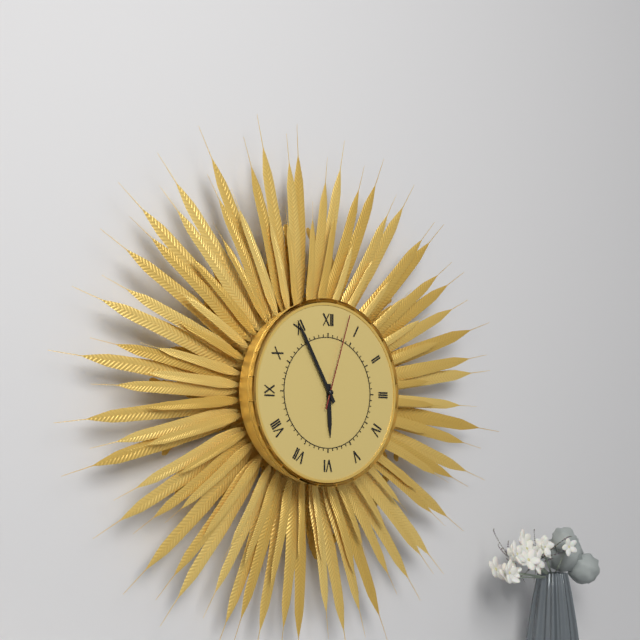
5 h 55 min 03 s
